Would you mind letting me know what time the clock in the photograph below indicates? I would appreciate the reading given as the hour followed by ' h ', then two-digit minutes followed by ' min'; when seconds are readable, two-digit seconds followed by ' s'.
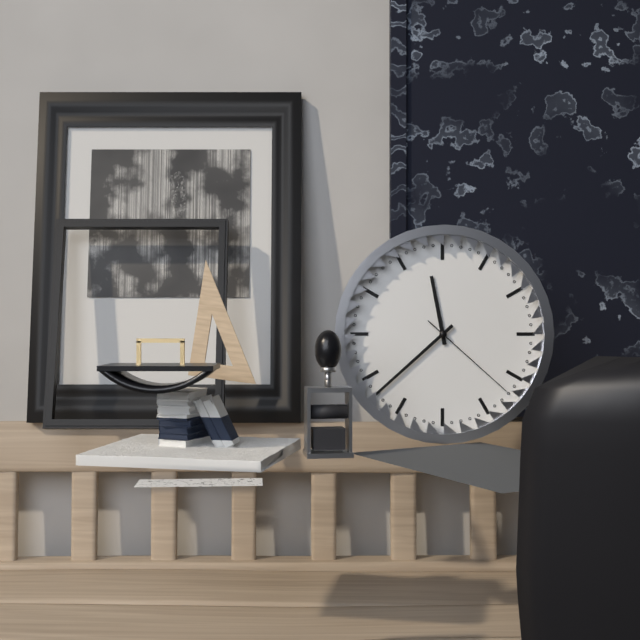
11 h 38 min 22 s
